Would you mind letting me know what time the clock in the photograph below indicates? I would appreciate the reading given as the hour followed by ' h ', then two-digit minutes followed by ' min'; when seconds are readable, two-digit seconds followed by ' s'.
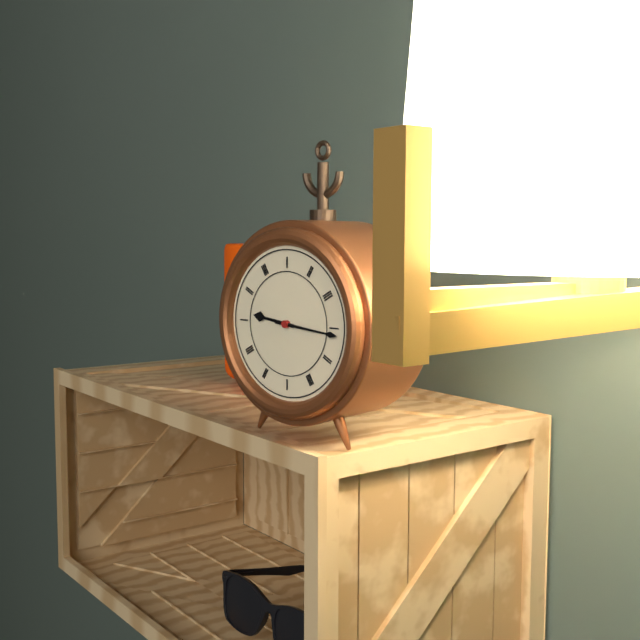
9 h 16 min
